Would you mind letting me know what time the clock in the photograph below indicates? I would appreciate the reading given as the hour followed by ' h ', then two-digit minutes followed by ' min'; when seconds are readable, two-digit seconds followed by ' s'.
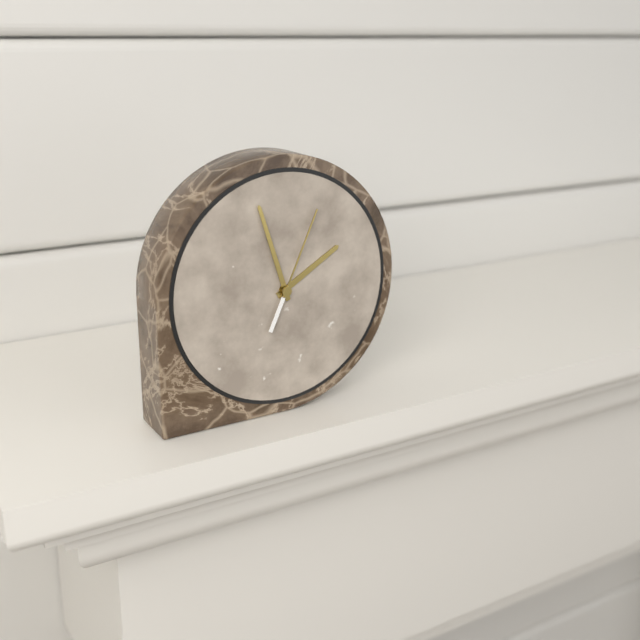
1 h 57 min 04 s
